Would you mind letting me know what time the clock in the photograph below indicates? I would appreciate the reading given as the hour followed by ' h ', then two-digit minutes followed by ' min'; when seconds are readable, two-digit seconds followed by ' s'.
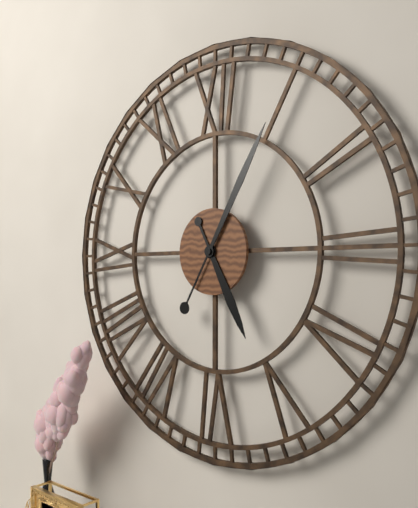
5 h 05 min
